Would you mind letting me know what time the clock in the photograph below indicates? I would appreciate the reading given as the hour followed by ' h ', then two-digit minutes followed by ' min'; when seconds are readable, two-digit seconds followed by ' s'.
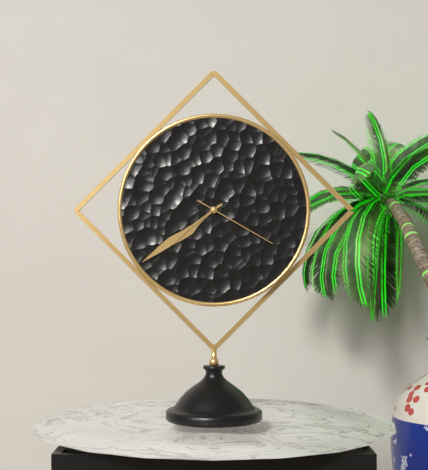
7 h 39 min 20 s
